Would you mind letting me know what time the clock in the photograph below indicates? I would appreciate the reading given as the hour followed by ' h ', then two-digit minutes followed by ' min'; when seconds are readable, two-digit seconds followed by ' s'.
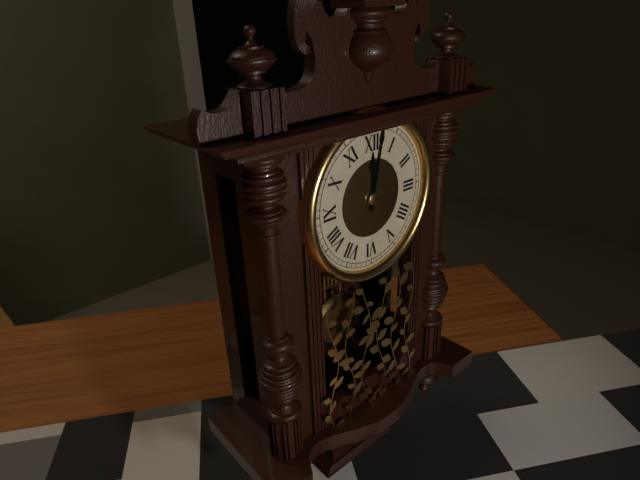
12 h 02 min
